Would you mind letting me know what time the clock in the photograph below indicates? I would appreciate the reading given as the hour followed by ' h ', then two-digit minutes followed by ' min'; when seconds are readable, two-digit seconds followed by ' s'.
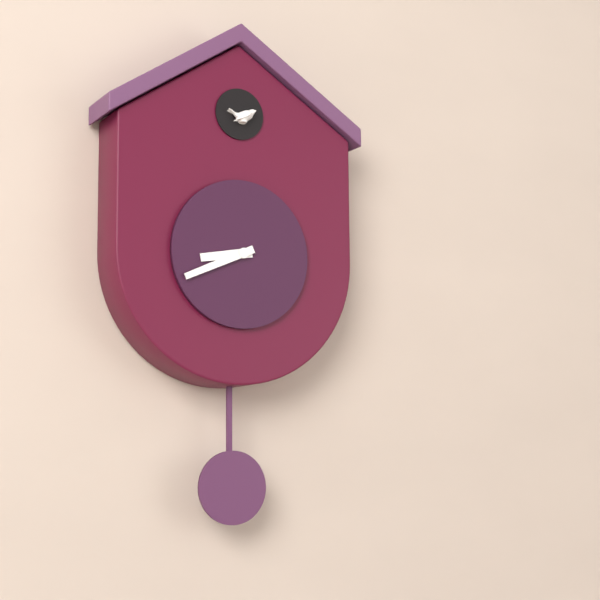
8 h 41 min
